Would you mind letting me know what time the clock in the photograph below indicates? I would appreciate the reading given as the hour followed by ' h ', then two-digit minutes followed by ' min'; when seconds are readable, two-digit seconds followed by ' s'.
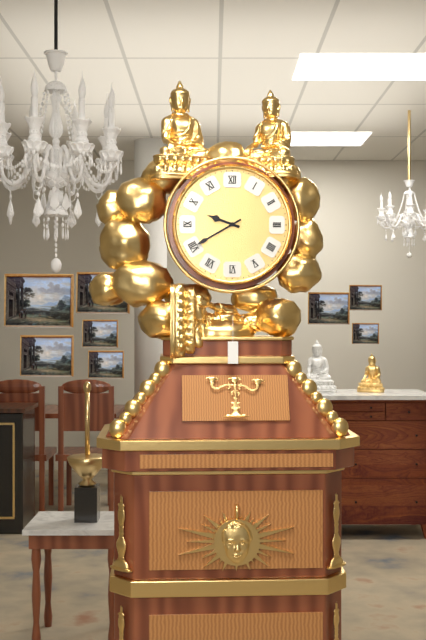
9 h 40 min
